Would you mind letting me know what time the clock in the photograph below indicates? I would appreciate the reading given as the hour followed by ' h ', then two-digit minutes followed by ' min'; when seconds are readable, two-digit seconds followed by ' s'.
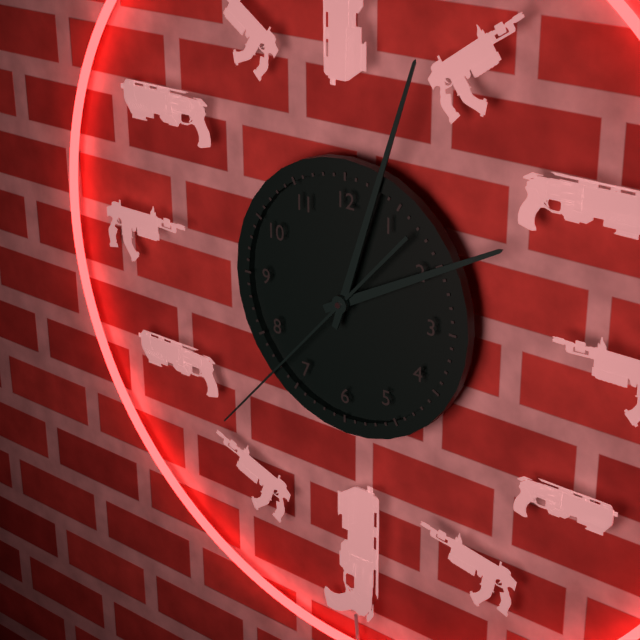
2 h 03 min 37 s
